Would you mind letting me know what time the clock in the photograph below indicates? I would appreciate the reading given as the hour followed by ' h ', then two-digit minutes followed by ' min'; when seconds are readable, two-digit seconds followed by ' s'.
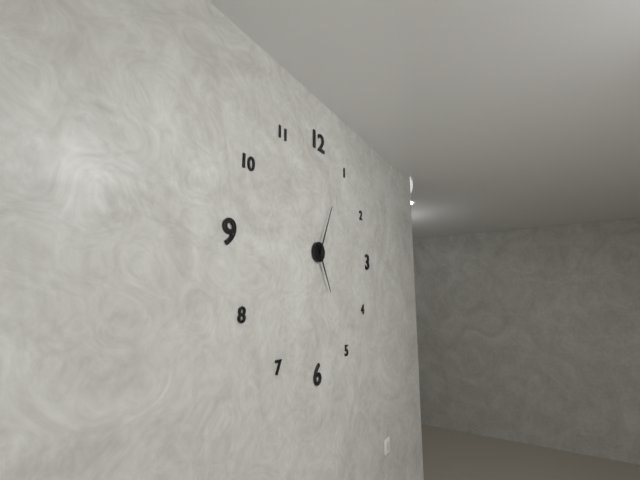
5 h 04 min
